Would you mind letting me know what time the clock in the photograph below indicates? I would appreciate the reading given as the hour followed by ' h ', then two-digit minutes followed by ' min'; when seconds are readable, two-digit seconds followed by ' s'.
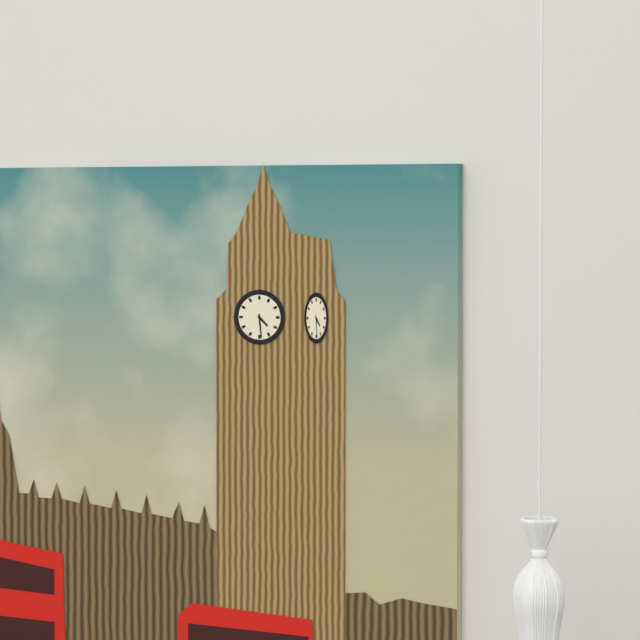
4 h 29 min
